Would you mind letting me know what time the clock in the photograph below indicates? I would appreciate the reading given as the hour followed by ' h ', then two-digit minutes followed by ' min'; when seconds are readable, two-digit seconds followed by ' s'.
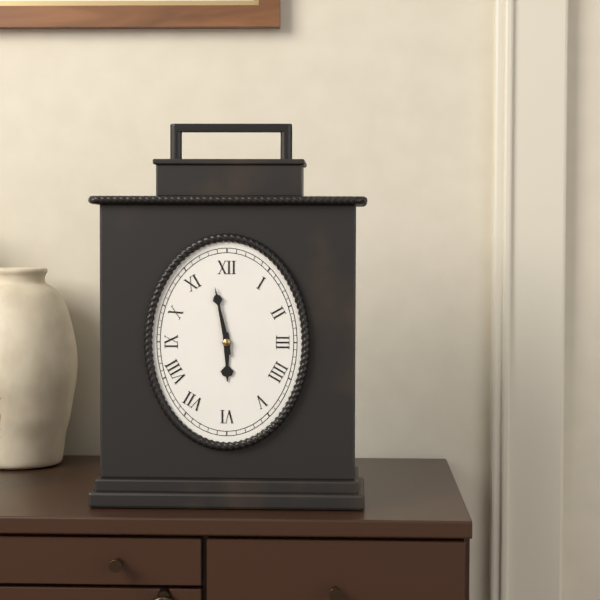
5 h 58 min
